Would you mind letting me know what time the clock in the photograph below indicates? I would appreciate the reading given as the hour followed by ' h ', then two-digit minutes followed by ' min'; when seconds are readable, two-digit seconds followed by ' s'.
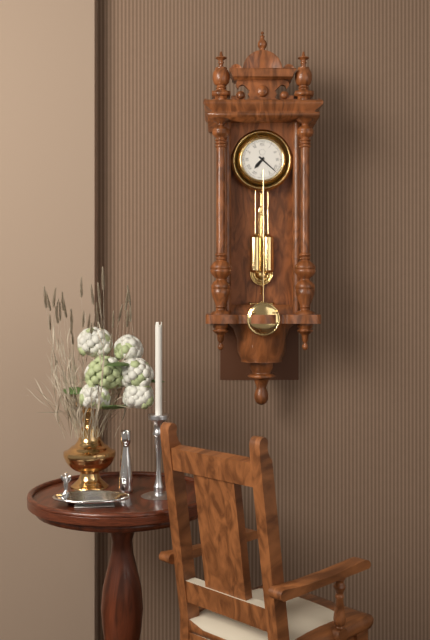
7 h 22 min
